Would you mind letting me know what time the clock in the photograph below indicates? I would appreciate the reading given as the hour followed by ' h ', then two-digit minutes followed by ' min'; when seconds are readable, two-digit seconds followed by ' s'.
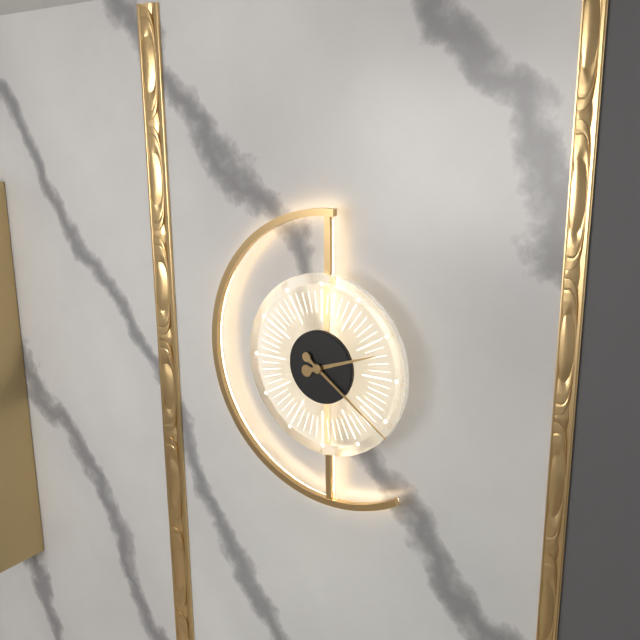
2 h 21 min
